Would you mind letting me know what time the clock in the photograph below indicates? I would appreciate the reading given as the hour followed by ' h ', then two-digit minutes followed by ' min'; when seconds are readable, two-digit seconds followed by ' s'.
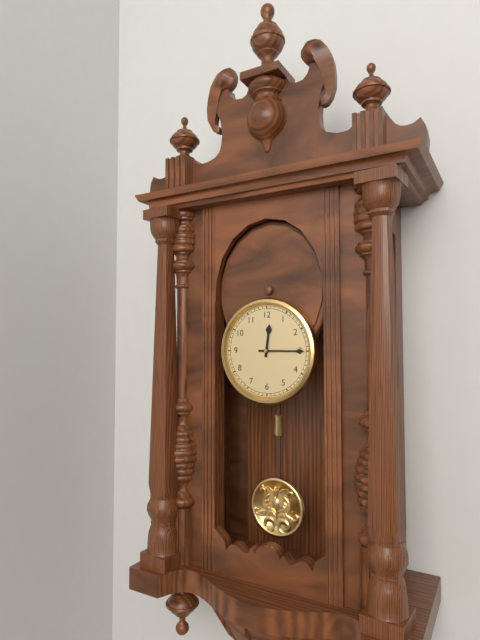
12 h 15 min
